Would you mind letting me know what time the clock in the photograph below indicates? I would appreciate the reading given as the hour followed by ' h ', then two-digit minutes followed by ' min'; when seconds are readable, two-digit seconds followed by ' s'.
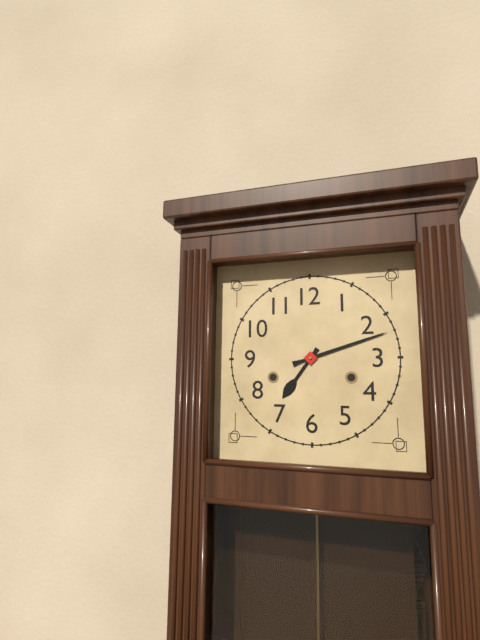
7 h 12 min
